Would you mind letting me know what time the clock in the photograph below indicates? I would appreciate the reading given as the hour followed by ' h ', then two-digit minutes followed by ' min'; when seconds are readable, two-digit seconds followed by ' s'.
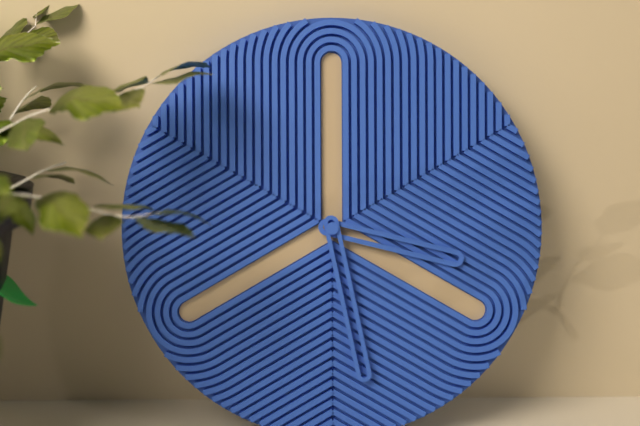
3 h 28 min
